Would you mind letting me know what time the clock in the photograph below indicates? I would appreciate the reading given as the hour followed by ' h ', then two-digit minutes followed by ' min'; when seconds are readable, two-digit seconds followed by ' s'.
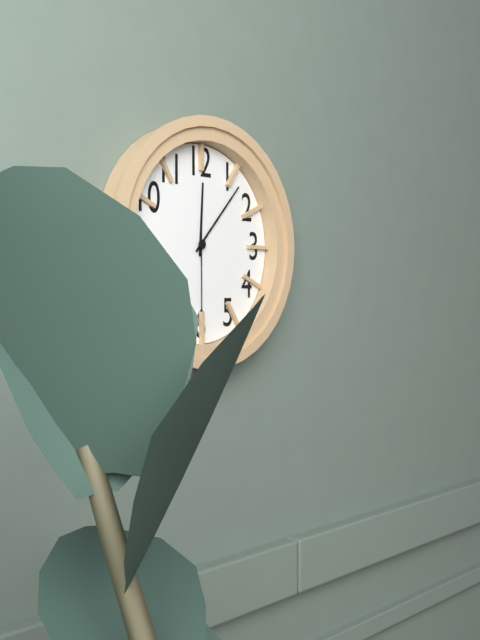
12 h 07 min 30 s
